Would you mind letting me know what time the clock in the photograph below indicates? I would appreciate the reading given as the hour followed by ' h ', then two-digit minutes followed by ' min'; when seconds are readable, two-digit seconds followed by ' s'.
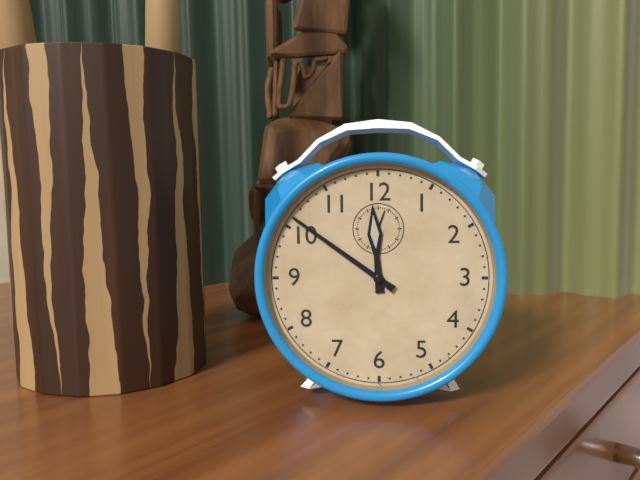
11 h 51 min
